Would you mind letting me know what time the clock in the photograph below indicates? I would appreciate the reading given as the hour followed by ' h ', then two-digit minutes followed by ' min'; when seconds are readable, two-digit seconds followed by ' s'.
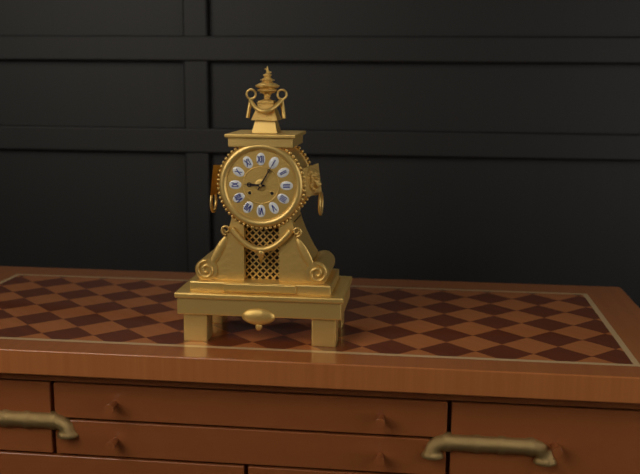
9 h 05 min
